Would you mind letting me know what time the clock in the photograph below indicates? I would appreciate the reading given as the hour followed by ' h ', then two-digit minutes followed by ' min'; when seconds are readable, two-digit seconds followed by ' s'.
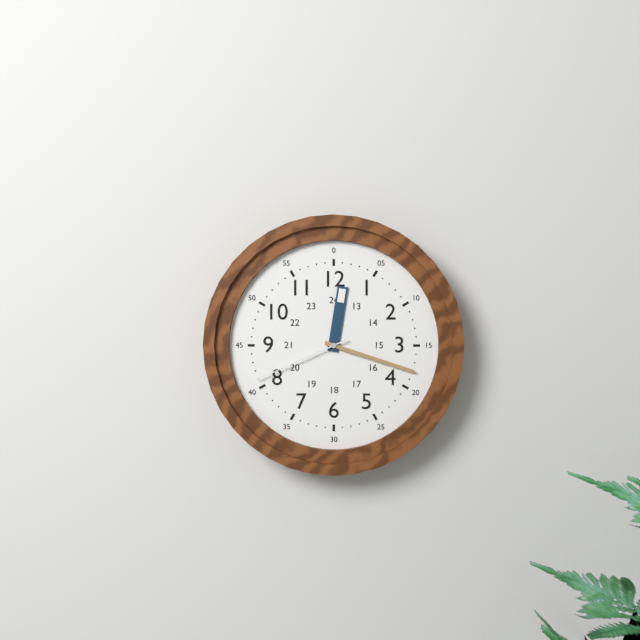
12 h 18 min 41 s
